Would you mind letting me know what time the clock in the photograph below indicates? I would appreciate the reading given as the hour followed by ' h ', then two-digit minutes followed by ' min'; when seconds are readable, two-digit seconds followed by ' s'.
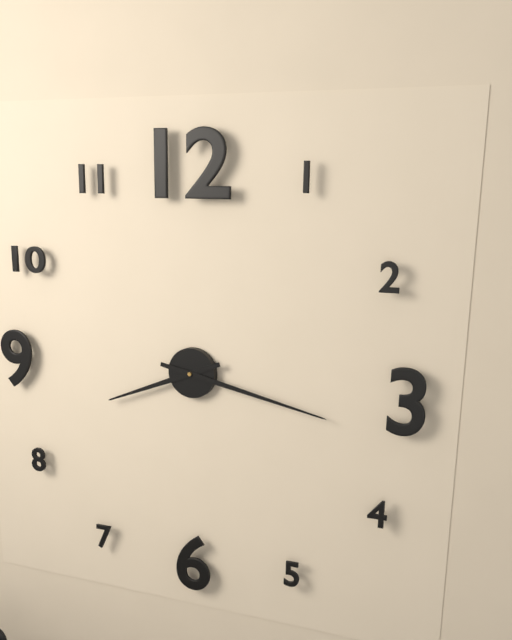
8 h 17 min
